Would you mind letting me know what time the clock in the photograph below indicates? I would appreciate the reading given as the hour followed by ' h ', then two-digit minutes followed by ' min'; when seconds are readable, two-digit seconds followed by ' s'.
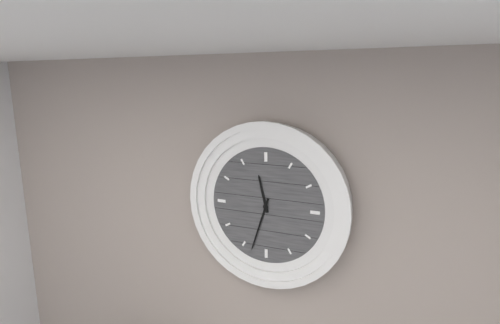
11 h 33 min
